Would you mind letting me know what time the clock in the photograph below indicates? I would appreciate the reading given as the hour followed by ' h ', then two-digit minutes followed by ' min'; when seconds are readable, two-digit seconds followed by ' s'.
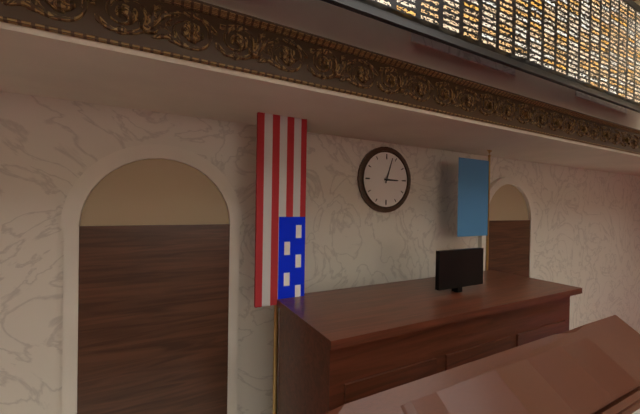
3 h 03 min
